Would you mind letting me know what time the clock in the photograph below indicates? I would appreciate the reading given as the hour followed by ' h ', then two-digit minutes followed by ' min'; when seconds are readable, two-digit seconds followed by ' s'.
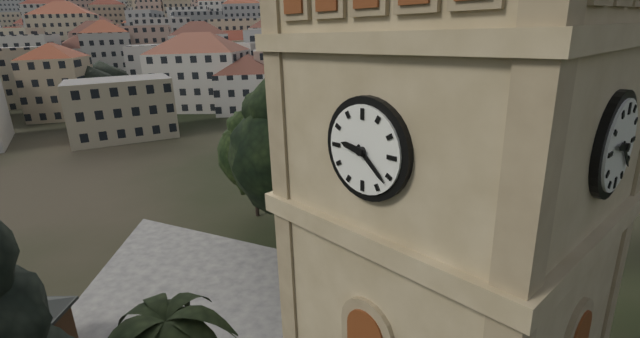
9 h 22 min
